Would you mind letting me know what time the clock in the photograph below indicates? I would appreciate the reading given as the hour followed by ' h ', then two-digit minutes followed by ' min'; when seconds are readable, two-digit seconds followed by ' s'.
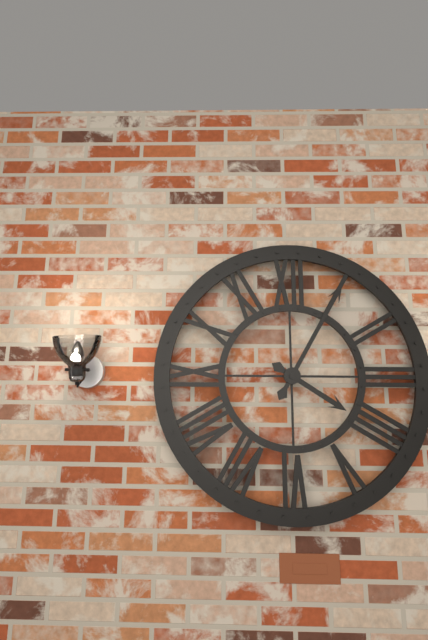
4 h 05 min
